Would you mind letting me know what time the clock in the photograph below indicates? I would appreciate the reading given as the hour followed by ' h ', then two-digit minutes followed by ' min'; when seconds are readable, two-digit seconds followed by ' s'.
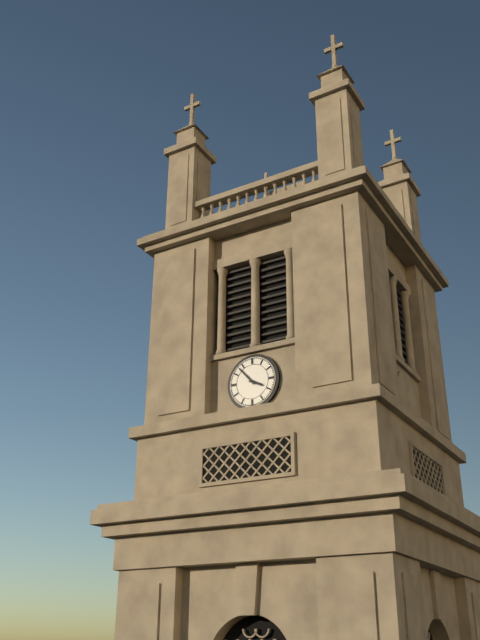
3 h 53 min
